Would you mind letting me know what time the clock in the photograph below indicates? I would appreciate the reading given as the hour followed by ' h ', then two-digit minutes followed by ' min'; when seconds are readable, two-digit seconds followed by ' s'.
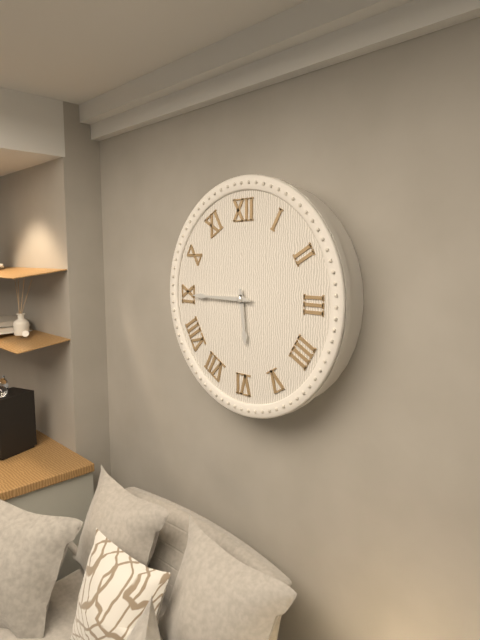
5 h 45 min
